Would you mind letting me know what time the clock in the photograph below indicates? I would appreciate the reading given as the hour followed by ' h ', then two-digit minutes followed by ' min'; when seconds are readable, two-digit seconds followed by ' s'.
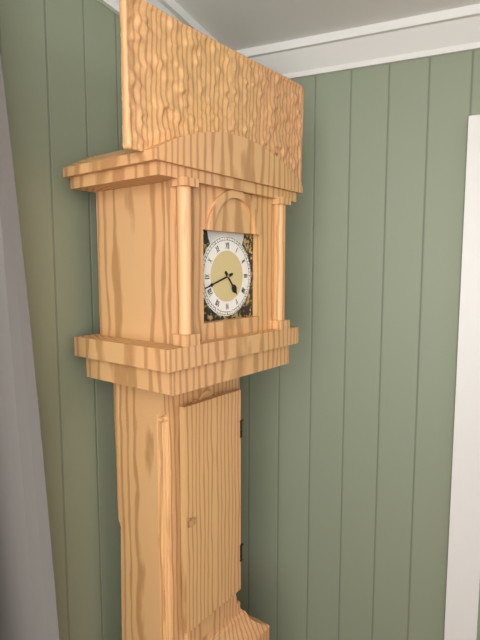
4 h 42 min
